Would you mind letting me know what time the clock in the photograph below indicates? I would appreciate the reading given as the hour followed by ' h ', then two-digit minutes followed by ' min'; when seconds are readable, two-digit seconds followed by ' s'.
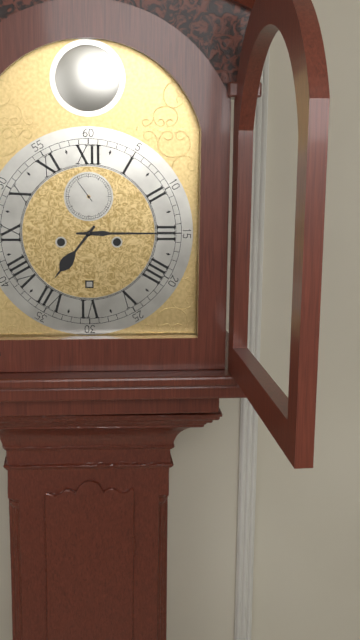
7 h 15 min
